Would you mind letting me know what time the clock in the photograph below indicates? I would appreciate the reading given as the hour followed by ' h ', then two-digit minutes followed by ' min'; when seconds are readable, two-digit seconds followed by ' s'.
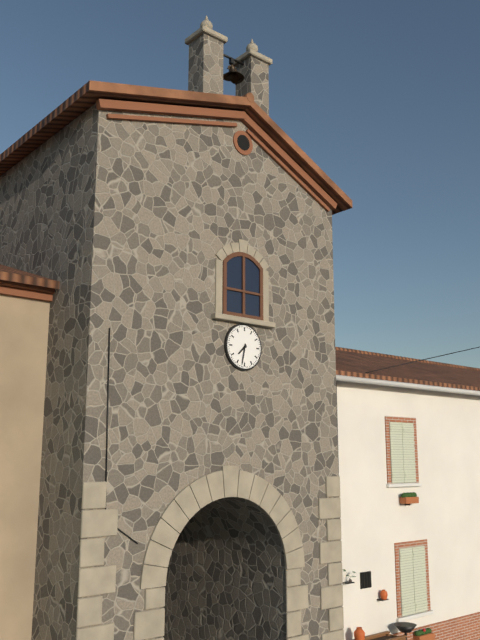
7 h 32 min
